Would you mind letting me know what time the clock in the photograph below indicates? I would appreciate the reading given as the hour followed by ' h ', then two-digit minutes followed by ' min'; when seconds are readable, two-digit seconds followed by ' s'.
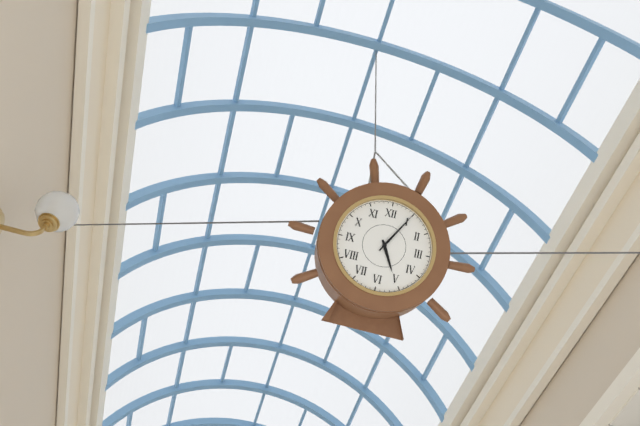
5 h 05 min
